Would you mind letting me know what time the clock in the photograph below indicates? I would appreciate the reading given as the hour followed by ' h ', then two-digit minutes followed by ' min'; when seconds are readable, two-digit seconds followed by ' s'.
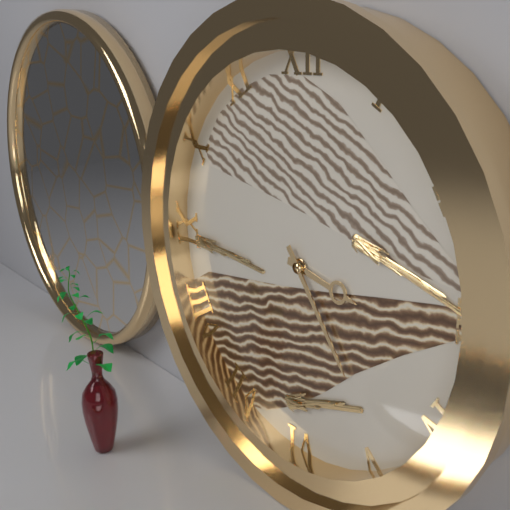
3 h 24 min
